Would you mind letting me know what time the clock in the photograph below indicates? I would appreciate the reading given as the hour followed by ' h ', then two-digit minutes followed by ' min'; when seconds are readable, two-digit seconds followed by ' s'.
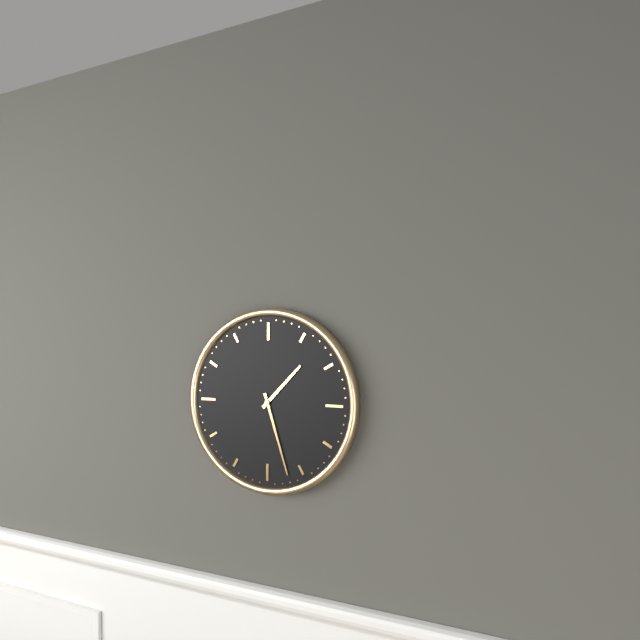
1 h 27 min
